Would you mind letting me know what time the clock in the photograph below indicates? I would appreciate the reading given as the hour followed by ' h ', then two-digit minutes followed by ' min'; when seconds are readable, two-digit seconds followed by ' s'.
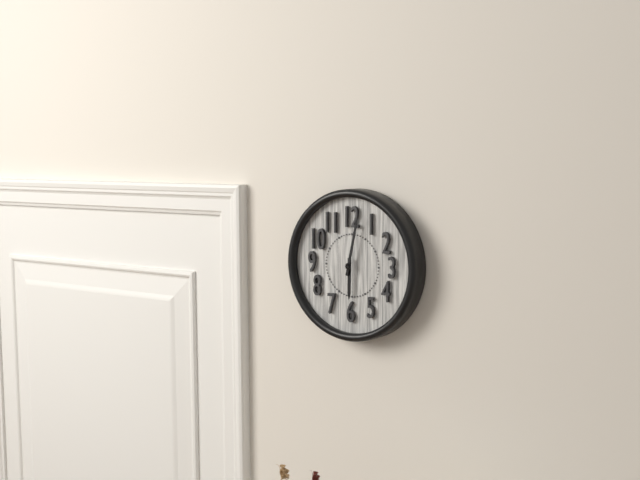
6 h 02 min
